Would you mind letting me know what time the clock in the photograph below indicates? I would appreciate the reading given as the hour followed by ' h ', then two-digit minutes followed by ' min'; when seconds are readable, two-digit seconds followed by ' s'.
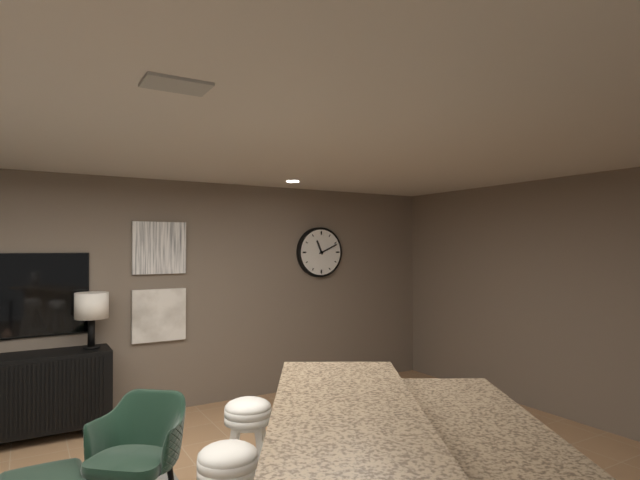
11 h 11 min
